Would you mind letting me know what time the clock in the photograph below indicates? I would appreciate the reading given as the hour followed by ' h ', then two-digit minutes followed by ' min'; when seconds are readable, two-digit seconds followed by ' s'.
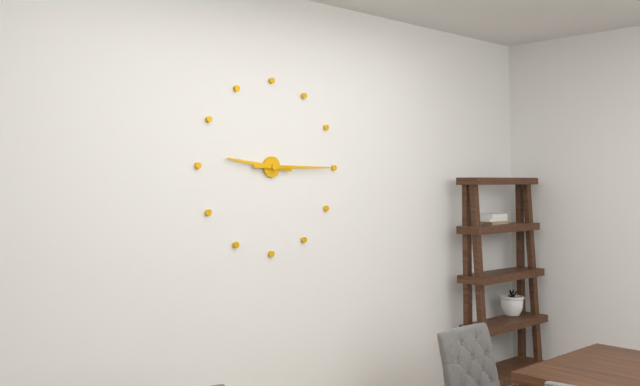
9 h 15 min
